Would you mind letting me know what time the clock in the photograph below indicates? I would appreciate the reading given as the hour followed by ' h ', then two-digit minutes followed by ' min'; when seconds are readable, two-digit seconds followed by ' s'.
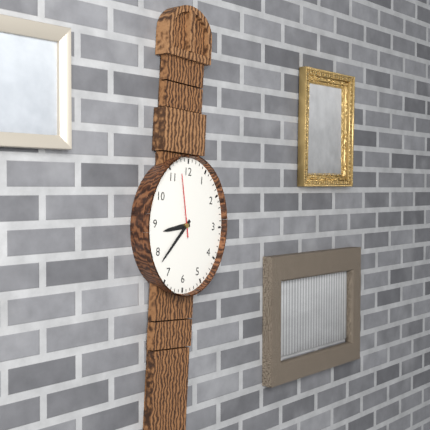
8 h 37 min 58 s
